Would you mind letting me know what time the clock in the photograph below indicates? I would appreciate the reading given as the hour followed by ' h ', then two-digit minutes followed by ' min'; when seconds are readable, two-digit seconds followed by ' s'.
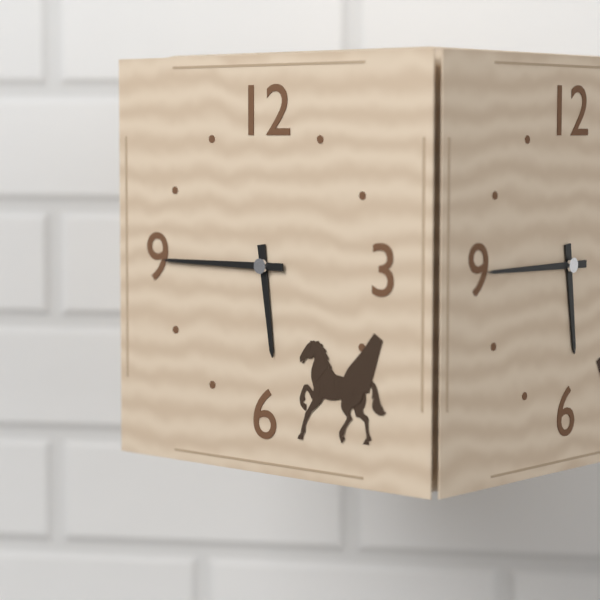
5 h 45 min
